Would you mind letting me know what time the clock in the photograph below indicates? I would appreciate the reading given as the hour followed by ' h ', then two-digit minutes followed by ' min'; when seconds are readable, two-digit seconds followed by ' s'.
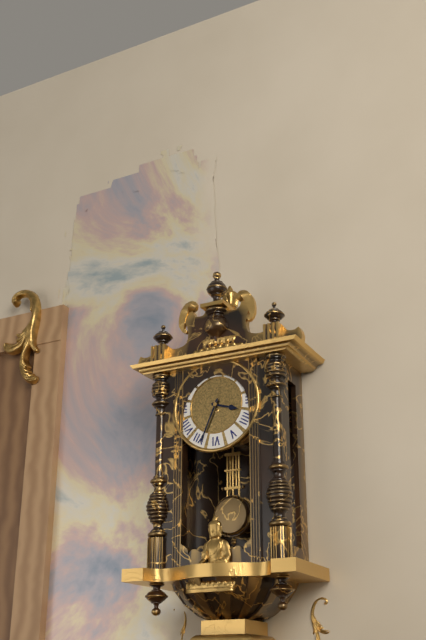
3 h 34 min
